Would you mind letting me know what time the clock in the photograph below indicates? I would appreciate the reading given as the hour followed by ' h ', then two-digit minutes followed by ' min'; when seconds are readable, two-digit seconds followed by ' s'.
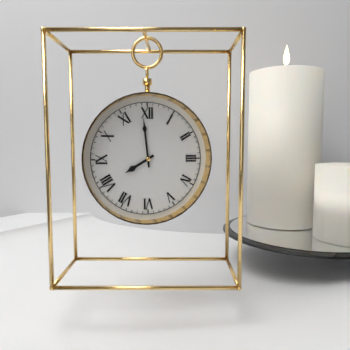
7 h 59 min
